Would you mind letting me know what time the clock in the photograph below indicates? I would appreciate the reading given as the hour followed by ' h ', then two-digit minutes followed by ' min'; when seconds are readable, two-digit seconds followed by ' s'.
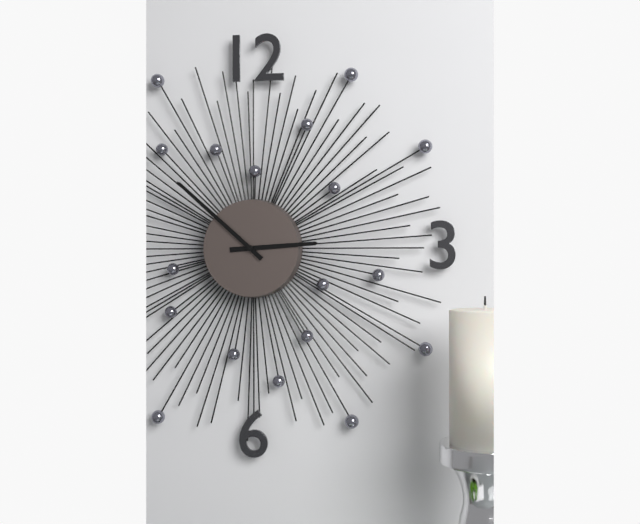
2 h 52 min
